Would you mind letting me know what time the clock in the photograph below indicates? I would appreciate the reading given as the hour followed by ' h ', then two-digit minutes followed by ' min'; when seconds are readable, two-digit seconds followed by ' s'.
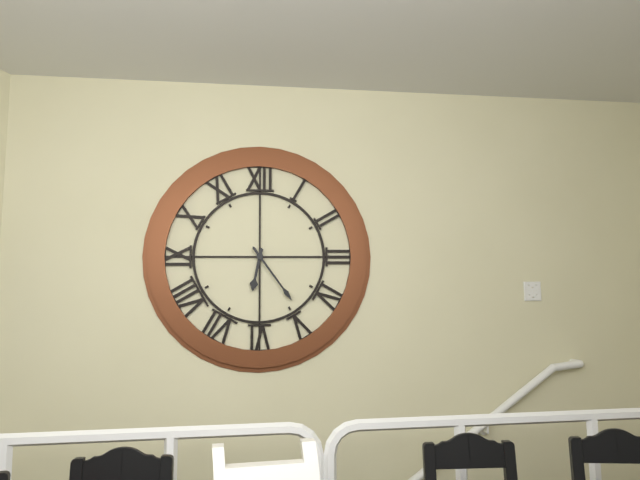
6 h 24 min
